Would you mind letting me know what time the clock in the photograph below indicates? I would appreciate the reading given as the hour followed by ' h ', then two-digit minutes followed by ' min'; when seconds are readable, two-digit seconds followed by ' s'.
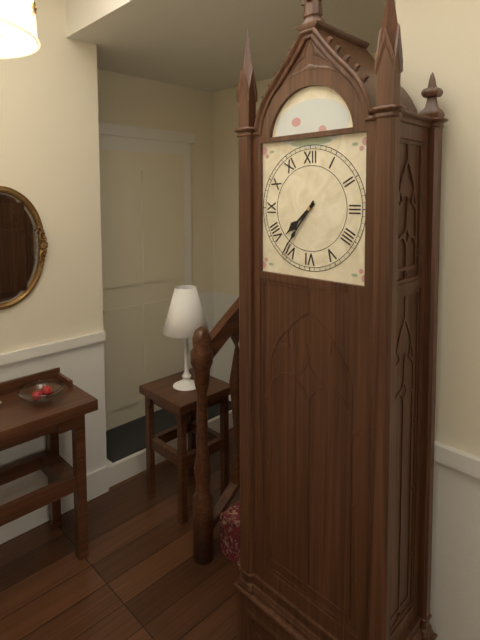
7 h 36 min
